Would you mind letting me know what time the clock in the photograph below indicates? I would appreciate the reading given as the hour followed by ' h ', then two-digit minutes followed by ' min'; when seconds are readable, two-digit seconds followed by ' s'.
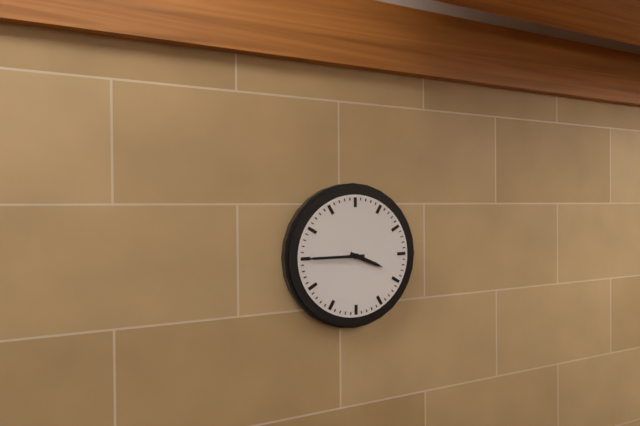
3 h 45 min
